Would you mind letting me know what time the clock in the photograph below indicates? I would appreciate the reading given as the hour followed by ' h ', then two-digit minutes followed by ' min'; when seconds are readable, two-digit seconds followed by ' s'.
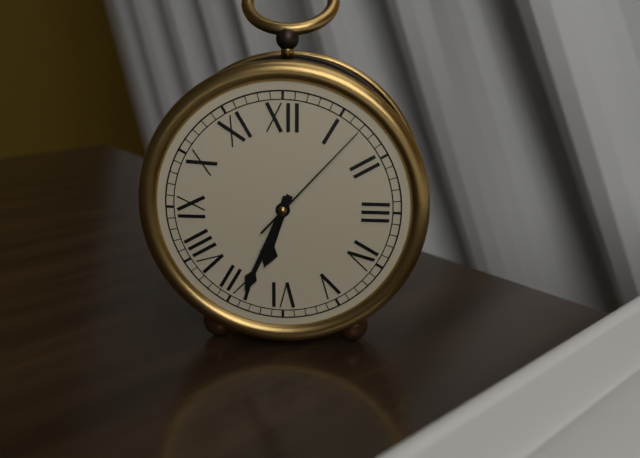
6 h 34 min 07 s
